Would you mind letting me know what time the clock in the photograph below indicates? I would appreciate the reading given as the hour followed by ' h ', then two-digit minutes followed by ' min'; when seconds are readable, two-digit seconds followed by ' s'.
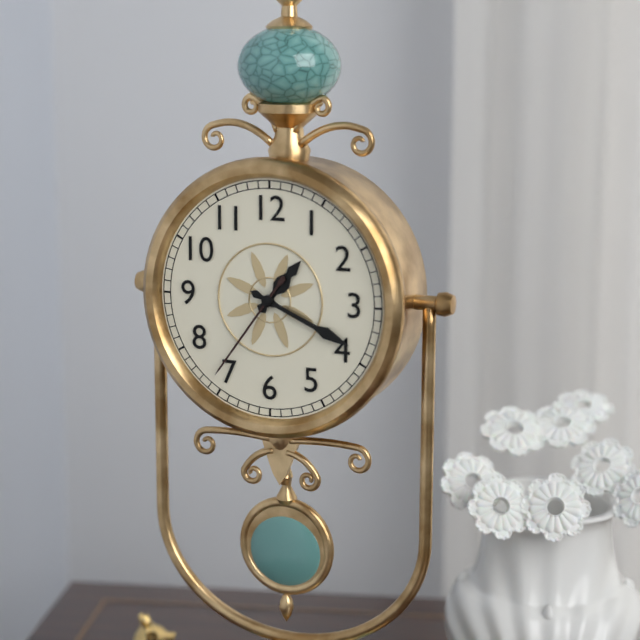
1 h 19 min 36 s
